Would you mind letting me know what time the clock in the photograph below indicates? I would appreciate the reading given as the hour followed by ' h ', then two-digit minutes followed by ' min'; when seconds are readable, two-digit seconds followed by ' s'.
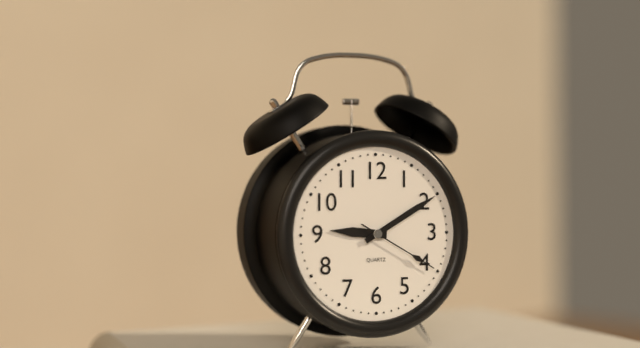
9 h 10 min 20 s
